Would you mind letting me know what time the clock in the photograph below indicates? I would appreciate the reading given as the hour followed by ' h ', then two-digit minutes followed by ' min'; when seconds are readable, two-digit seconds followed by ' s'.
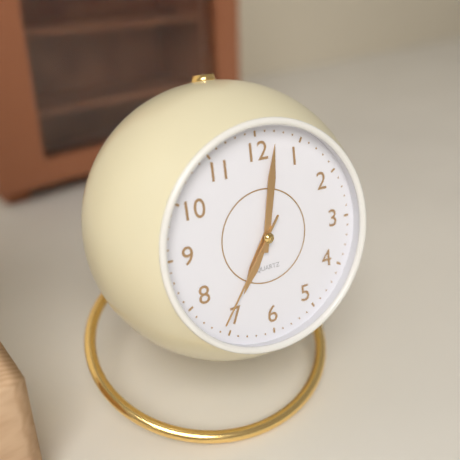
7 h 02 min 36 s
